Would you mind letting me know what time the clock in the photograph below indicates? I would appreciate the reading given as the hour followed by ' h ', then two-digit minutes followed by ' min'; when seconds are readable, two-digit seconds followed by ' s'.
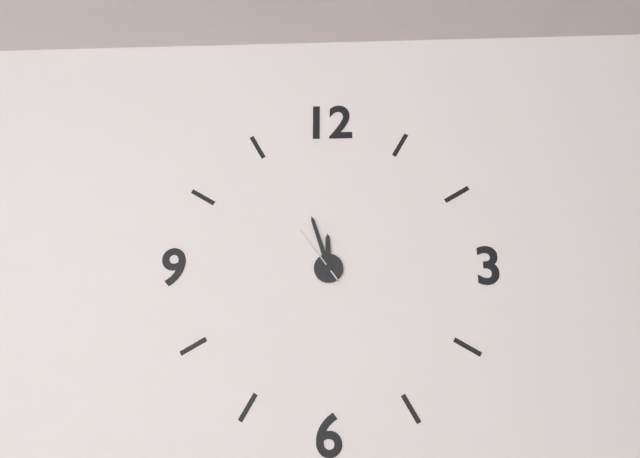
11 h 57 min 54 s
